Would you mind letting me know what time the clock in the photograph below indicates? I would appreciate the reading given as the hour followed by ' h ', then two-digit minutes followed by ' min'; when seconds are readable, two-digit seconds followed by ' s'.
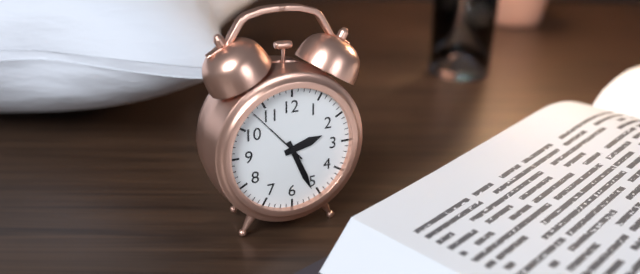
2 h 26 min 53 s
